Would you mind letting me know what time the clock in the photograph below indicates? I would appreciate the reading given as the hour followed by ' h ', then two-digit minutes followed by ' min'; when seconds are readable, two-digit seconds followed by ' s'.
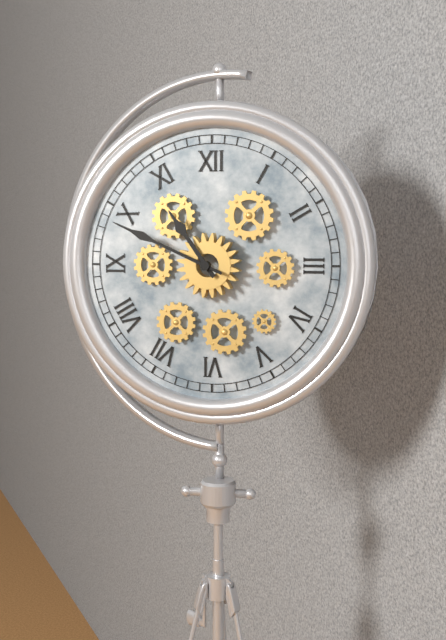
10 h 49 min
